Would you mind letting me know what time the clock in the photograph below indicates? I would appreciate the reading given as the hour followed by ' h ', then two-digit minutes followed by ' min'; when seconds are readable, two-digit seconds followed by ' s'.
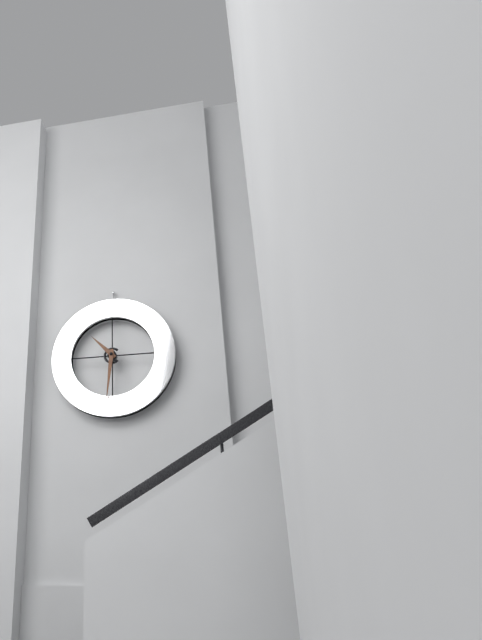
10 h 31 min
